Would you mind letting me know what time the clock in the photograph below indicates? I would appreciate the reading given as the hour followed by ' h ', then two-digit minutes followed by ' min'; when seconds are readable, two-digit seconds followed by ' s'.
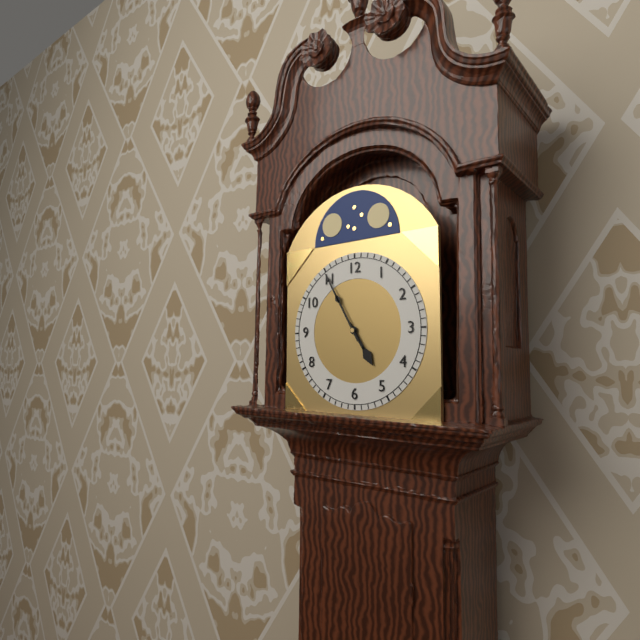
4 h 55 min
